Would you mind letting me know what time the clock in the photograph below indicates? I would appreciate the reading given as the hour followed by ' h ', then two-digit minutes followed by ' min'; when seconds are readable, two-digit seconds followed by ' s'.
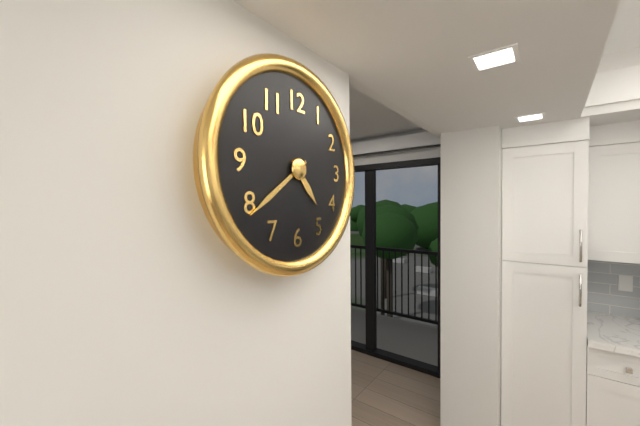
4 h 39 min
